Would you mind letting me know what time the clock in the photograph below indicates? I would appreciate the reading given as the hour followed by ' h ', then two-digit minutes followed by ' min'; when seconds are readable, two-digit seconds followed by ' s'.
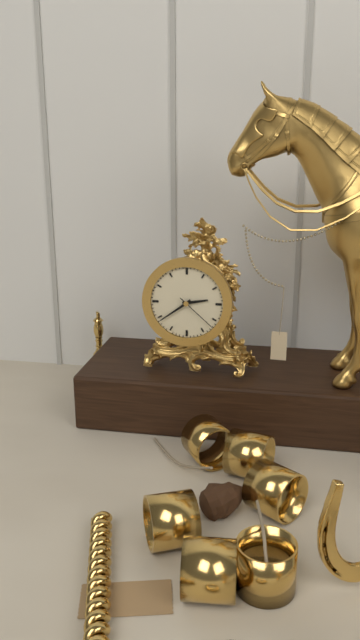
2 h 39 min
